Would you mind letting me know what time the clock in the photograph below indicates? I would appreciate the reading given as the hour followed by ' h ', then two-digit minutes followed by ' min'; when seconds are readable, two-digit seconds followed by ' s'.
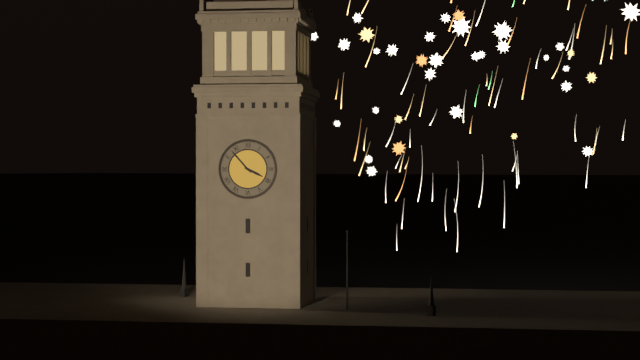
3 h 53 min
